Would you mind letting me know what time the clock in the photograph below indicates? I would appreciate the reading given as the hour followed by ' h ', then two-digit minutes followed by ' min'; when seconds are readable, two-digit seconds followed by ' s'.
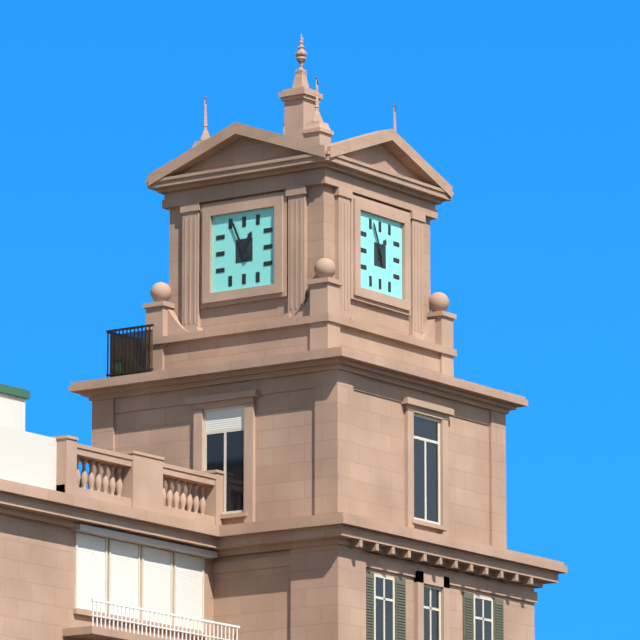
12 h 56 min
